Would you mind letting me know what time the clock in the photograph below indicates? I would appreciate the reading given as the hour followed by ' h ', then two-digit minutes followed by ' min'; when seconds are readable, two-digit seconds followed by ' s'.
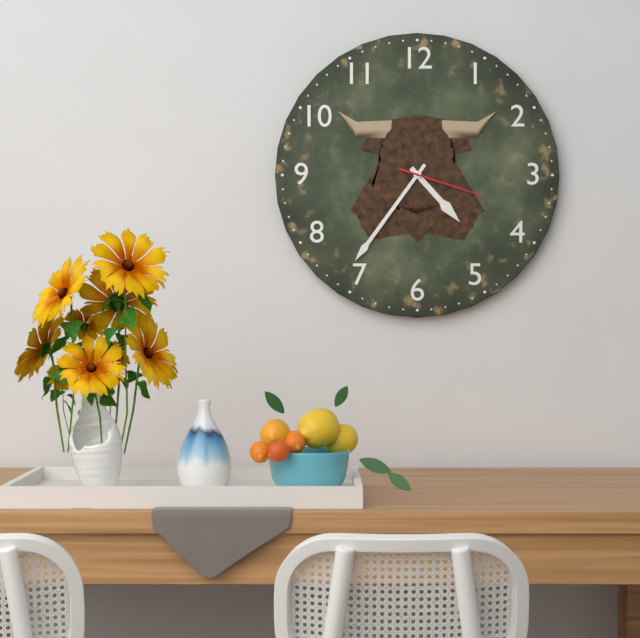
4 h 36 min 18 s
